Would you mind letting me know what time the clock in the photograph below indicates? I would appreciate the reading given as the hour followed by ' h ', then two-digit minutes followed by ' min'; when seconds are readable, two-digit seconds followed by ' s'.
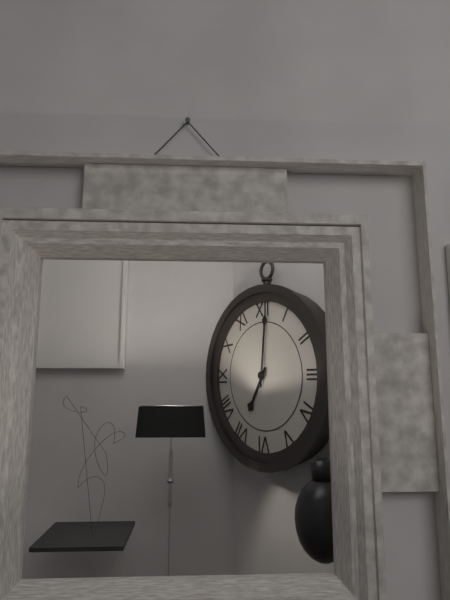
7 h 01 min
